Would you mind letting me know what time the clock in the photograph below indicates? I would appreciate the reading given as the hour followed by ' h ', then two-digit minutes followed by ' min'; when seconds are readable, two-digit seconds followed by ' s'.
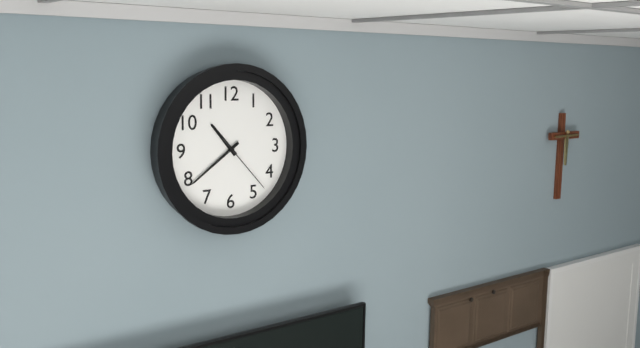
10 h 39 min 23 s
